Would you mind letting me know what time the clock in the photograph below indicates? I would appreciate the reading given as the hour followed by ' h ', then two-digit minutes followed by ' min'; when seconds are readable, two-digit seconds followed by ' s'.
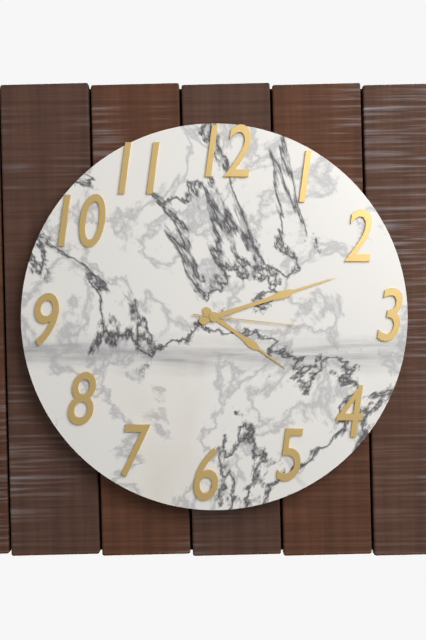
4 h 12 min 16 s
